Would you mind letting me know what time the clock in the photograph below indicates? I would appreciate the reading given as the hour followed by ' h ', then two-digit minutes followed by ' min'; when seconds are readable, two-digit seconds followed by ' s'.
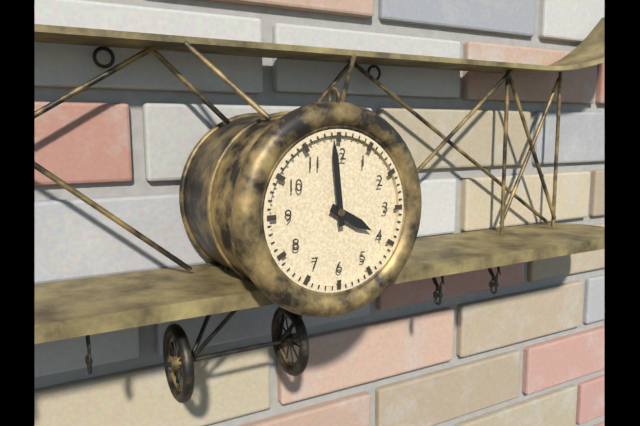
3 h 59 min
